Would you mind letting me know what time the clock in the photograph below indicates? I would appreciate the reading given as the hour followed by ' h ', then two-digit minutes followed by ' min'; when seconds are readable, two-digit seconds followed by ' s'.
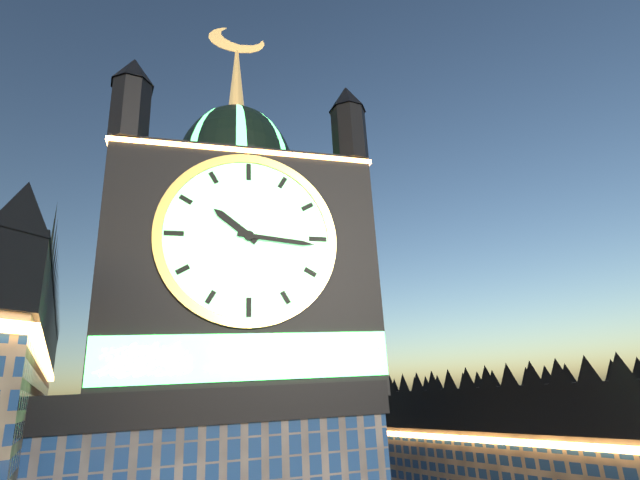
10 h 16 min
